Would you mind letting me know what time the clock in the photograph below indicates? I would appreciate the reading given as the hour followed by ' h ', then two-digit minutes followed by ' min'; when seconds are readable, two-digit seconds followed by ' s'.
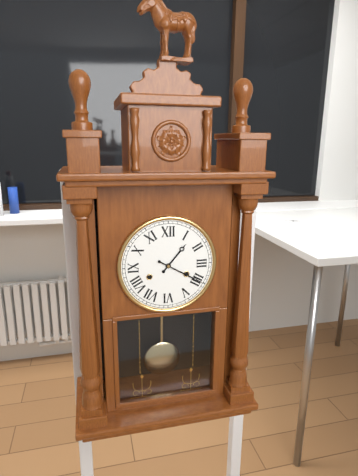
1 h 20 min
